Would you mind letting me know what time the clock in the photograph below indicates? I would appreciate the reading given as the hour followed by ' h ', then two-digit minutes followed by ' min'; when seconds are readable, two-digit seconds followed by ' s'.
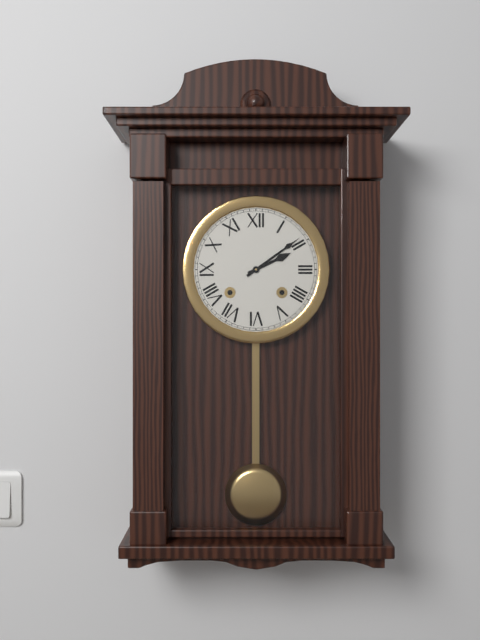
2 h 09 min
